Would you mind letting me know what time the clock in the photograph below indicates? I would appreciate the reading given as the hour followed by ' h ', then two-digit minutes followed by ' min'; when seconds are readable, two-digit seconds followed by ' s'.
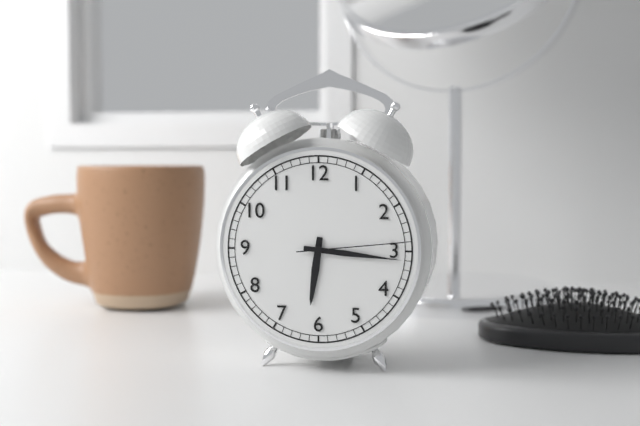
6 h 16 min 14 s
